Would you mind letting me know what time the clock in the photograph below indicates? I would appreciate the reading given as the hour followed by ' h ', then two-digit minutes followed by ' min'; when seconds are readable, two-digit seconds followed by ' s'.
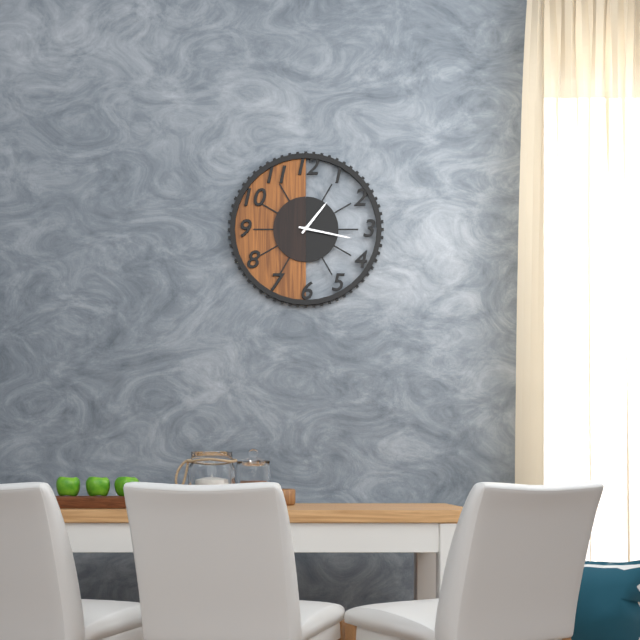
1 h 17 min
